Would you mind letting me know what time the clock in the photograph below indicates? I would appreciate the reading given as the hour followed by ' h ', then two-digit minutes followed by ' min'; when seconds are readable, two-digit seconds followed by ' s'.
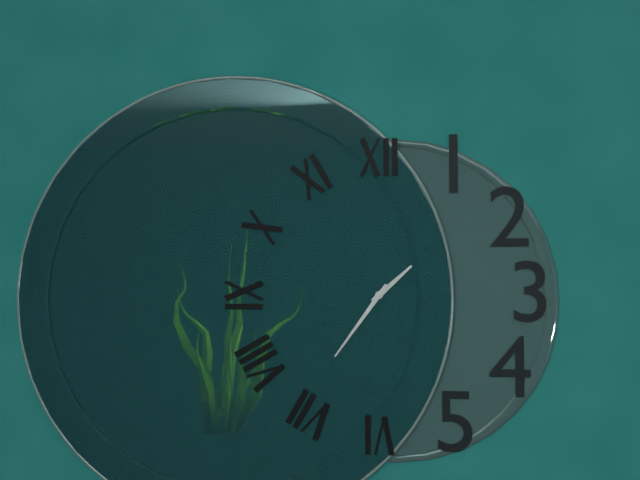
1 h 36 min
